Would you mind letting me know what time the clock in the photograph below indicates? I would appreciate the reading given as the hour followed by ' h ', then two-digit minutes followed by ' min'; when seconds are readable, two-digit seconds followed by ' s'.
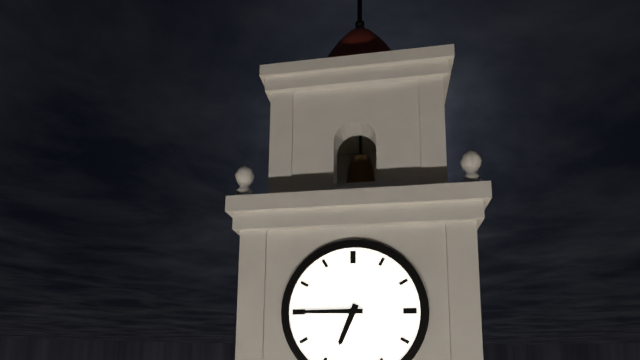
6 h 45 min
